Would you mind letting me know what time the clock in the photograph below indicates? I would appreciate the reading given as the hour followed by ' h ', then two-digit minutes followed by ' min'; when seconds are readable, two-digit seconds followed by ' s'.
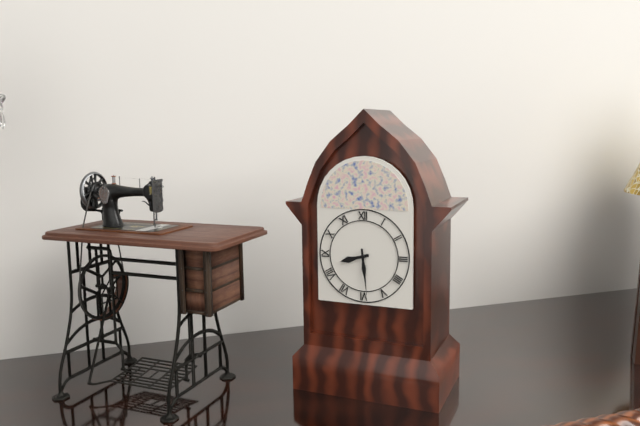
8 h 29 min
